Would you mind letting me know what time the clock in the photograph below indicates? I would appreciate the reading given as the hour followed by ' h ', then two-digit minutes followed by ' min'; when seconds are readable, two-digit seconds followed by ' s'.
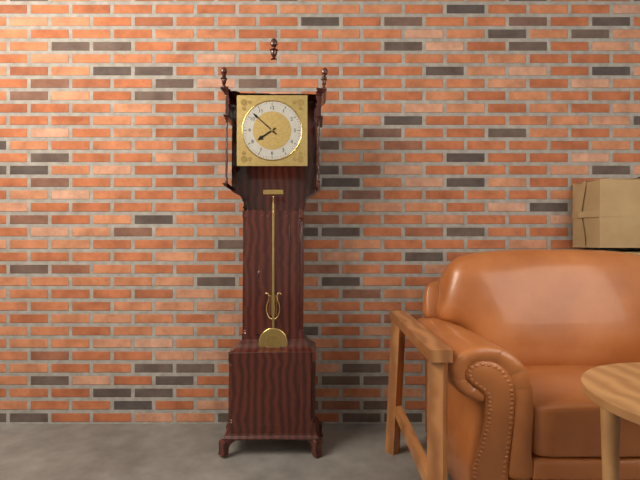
7 h 52 min
